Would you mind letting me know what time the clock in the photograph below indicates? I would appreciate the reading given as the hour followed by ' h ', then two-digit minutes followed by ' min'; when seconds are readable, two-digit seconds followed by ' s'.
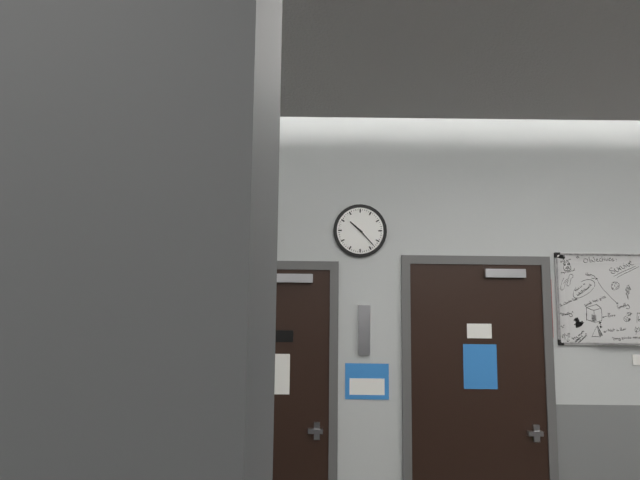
10 h 23 min
